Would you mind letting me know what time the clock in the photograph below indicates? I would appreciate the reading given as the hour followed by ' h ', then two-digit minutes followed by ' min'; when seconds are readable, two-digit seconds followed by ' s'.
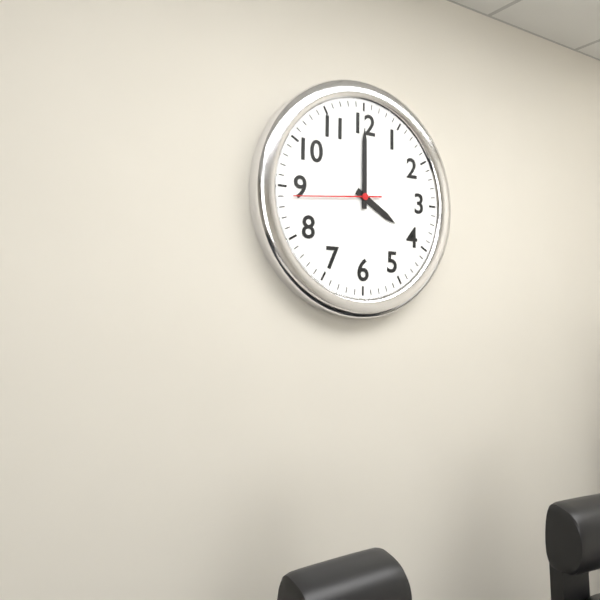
4 h 00 min 44 s
